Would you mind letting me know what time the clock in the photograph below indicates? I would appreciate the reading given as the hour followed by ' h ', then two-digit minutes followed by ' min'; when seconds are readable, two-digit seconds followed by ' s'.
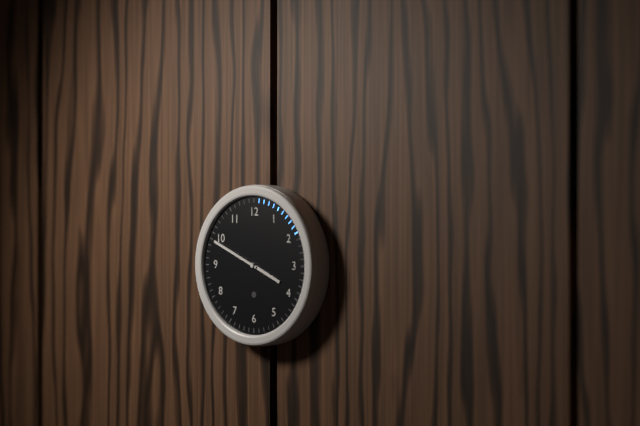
3 h 49 min
